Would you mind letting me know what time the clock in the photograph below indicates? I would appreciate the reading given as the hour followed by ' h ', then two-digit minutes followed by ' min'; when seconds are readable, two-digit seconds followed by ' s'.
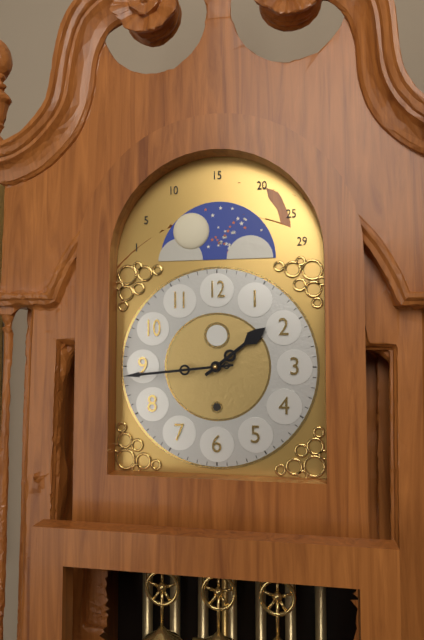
1 h 44 min
